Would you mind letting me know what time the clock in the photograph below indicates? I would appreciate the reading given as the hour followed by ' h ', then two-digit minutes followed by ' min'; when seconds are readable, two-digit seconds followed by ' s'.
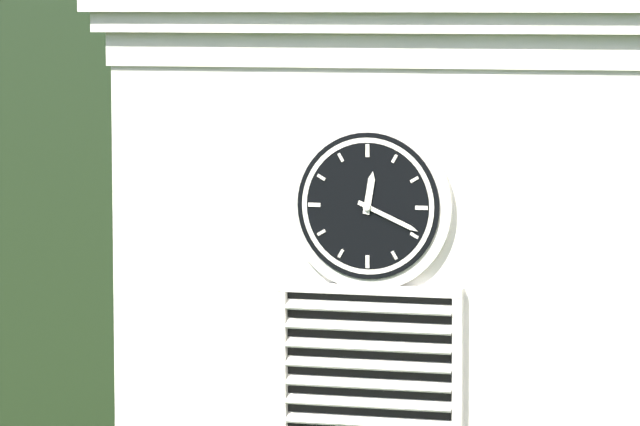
12 h 19 min
